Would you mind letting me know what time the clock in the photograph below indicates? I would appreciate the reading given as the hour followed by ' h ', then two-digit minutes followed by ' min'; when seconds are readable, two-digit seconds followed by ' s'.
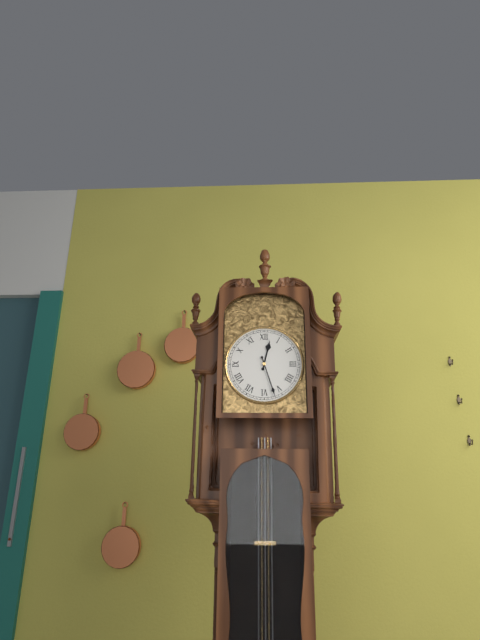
12 h 27 min
